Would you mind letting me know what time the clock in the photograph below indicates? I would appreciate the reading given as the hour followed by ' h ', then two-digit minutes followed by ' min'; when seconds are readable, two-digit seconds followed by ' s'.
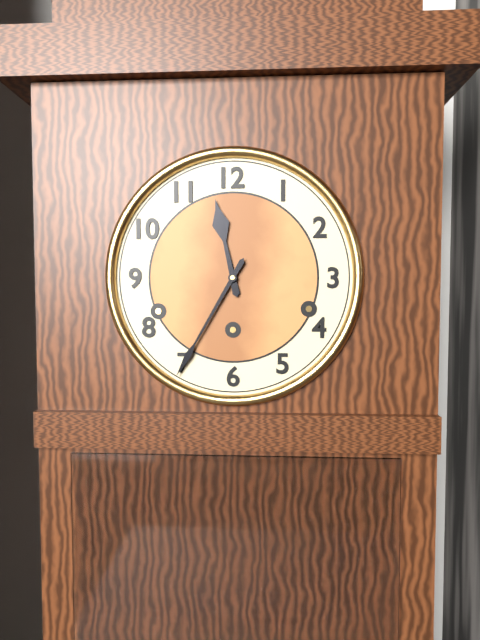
11 h 35 min
